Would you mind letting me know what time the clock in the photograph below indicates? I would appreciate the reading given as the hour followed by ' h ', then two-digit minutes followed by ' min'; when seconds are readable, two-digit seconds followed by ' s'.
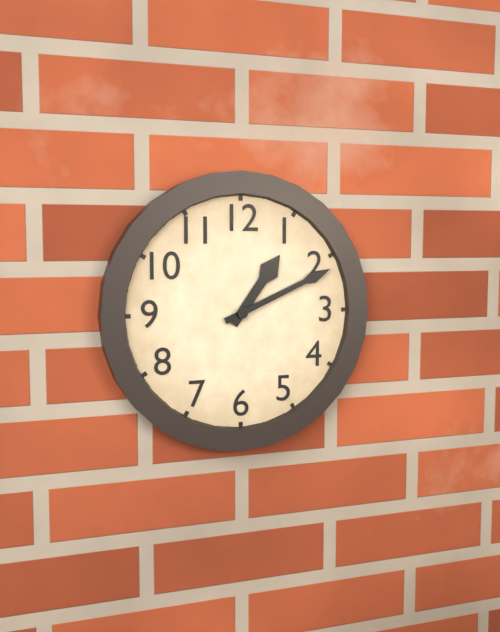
1 h 11 min
